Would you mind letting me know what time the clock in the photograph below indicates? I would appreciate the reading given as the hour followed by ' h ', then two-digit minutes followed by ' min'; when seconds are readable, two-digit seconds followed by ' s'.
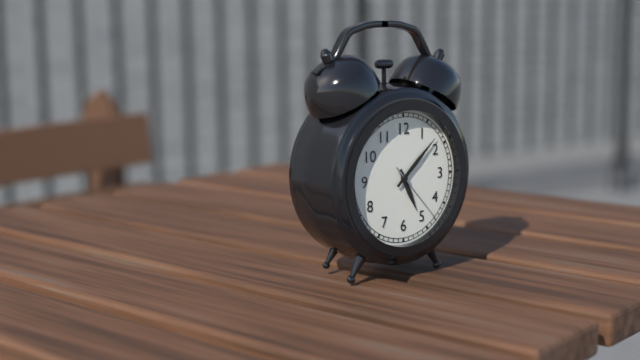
5 h 08 min 23 s
